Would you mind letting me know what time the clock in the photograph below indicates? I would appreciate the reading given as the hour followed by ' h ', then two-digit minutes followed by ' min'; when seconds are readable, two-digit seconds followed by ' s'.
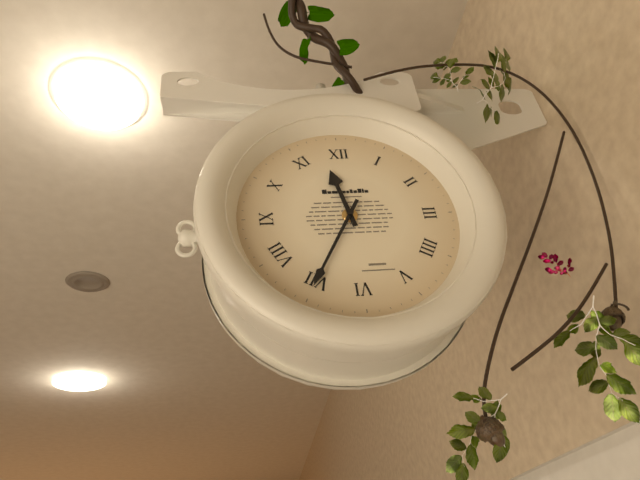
11 h 35 min
